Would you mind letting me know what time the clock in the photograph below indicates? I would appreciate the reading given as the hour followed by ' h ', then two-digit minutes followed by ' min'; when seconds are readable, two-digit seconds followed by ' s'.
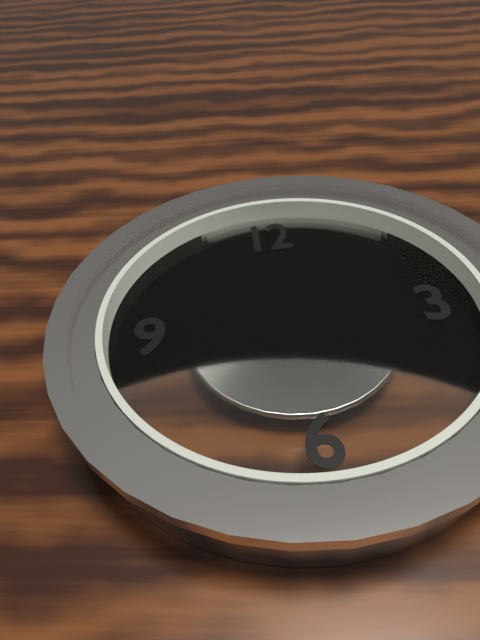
3 h 02 min
